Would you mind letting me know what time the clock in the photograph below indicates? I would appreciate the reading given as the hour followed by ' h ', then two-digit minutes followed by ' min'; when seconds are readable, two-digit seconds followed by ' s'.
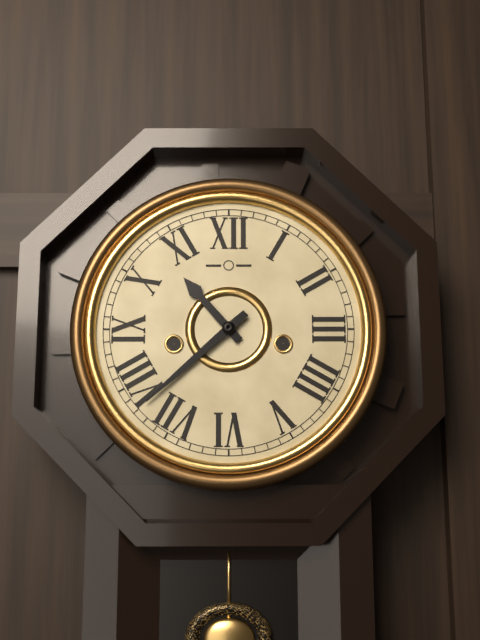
10 h 38 min
